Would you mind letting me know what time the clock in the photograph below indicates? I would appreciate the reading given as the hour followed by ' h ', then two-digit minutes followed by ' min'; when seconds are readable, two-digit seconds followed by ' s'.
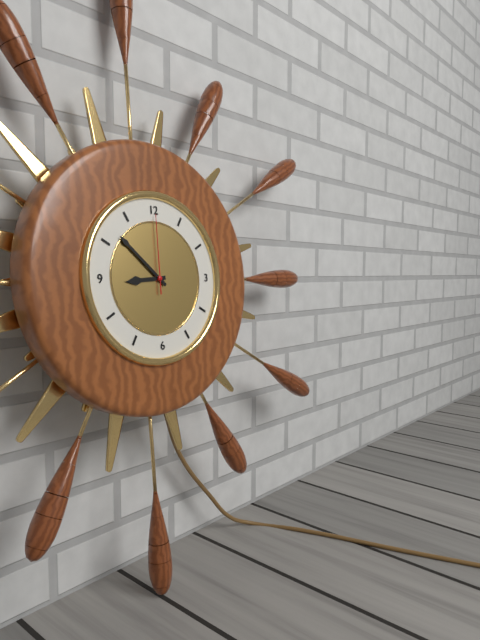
8 h 52 min 00 s
